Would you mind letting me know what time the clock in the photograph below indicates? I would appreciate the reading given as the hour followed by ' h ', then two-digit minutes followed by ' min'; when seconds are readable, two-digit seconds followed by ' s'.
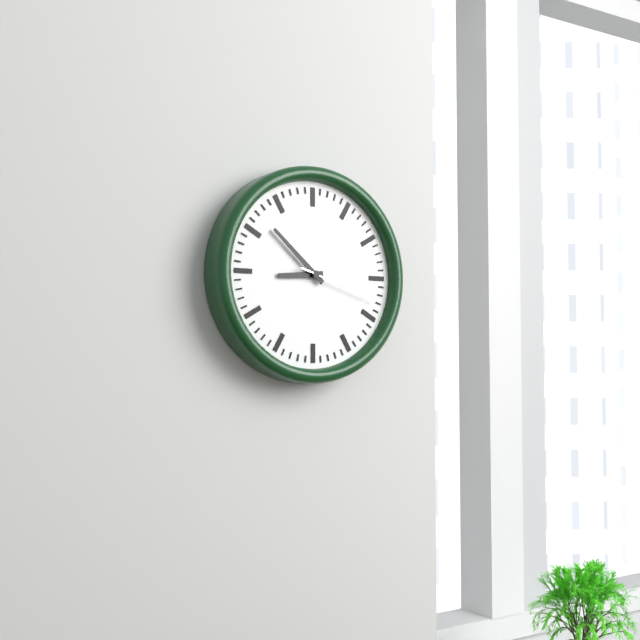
8 h 52 min 18 s
